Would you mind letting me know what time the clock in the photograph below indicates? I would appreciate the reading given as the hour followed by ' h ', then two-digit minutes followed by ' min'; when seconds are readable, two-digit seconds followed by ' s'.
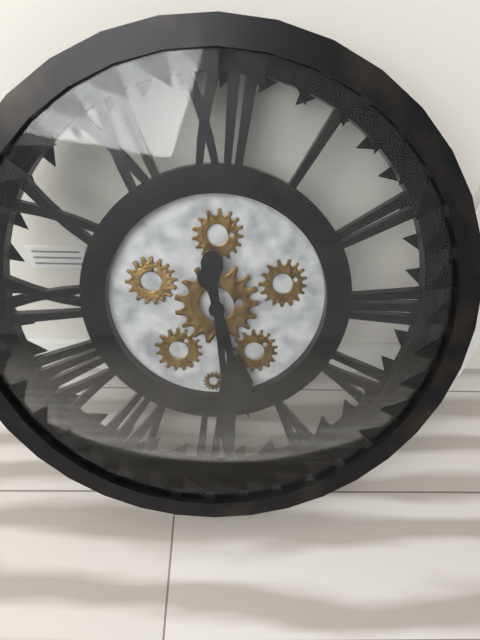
5 h 29 min
